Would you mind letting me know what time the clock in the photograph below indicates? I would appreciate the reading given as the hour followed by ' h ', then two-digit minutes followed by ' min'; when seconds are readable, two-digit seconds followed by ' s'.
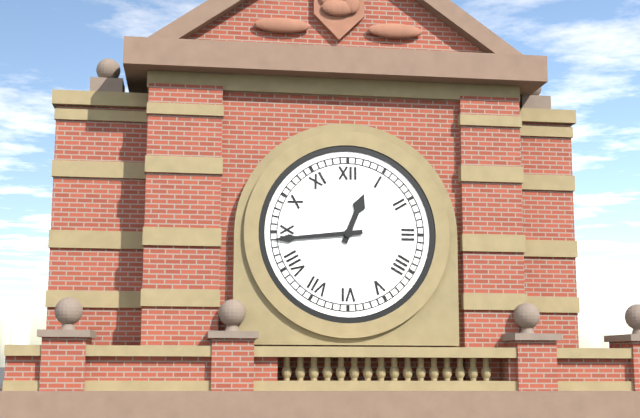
12 h 44 min
